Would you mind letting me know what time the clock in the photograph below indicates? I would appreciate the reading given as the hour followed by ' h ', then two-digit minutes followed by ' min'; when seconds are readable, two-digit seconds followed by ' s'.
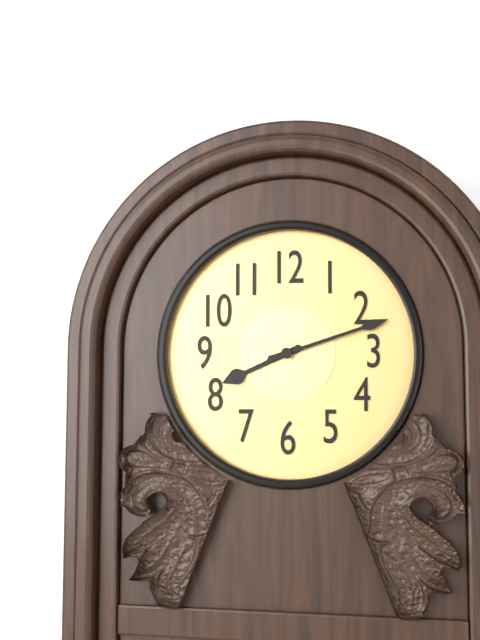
8 h 12 min
